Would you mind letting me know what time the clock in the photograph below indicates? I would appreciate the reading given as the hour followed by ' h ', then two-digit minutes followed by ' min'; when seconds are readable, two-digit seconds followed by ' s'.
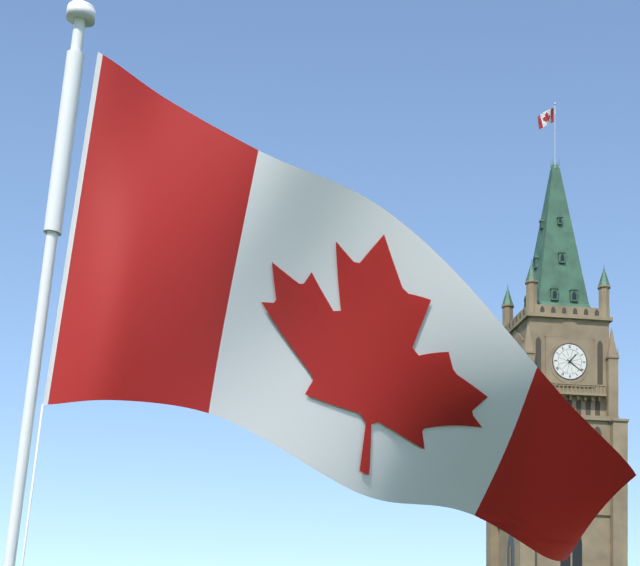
1 h 21 min
